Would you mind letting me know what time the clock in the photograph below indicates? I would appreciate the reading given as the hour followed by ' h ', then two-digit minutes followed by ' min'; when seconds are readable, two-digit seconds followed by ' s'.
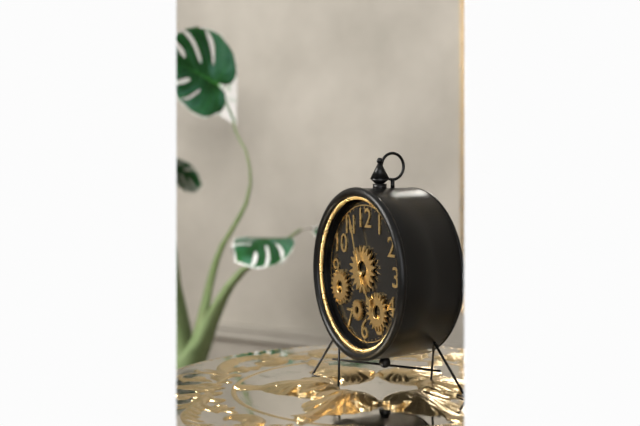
4 h 57 min
